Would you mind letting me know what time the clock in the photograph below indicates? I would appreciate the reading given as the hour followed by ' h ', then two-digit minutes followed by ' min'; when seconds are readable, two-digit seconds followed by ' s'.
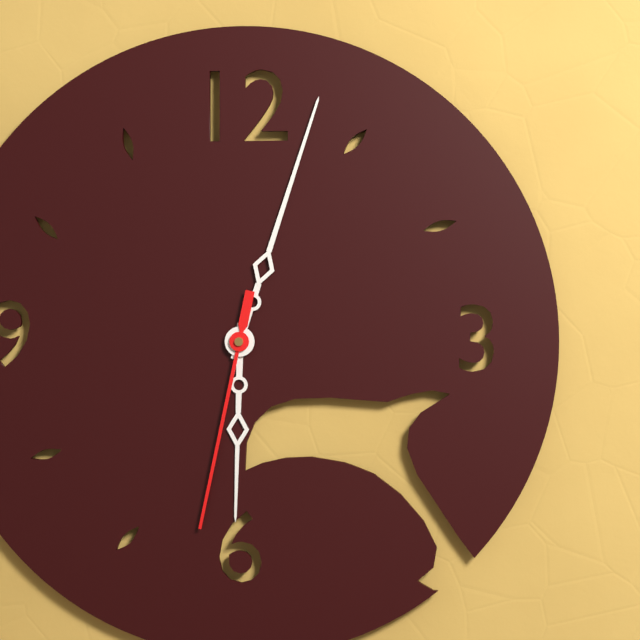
6 h 03 min 32 s
